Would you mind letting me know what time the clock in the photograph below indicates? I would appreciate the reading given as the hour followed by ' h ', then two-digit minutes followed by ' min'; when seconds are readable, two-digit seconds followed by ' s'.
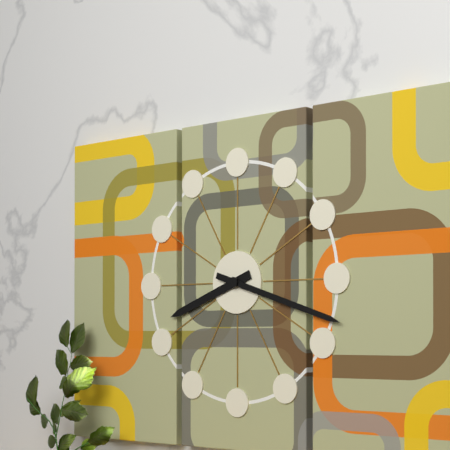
8 h 18 min
